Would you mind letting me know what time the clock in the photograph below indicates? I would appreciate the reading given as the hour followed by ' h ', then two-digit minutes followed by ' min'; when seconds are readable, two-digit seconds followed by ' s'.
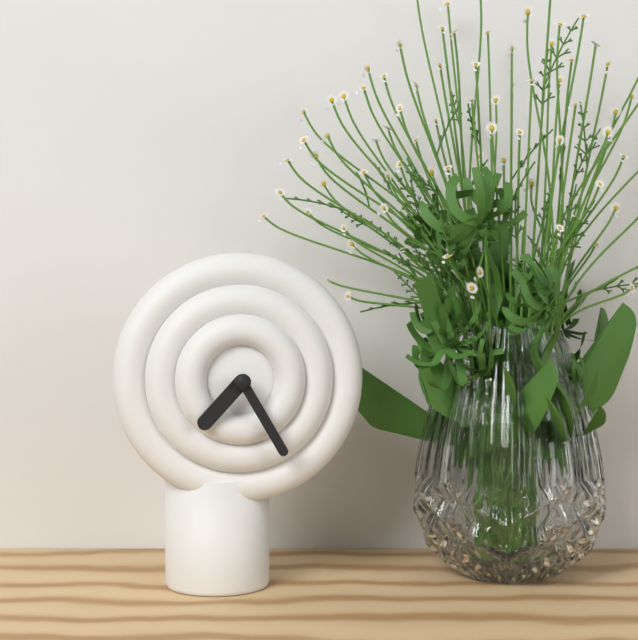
7 h 25 min
